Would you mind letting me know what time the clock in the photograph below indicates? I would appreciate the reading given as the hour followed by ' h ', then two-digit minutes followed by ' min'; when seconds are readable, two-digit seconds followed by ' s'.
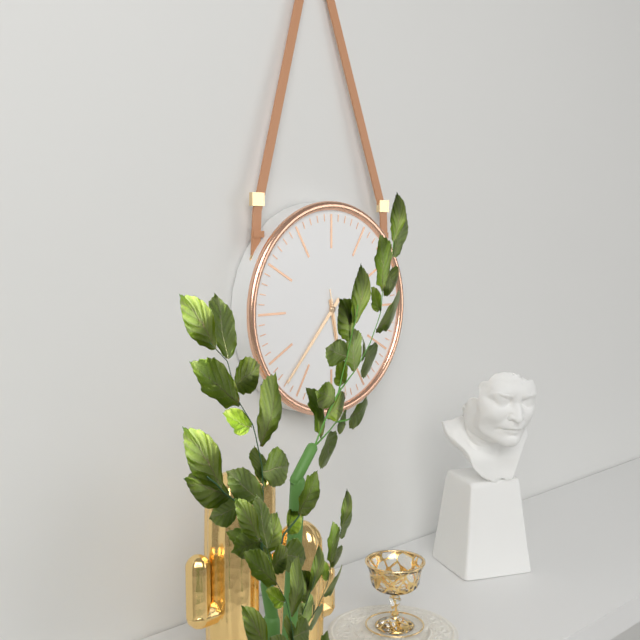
5 h 37 min 28 s
